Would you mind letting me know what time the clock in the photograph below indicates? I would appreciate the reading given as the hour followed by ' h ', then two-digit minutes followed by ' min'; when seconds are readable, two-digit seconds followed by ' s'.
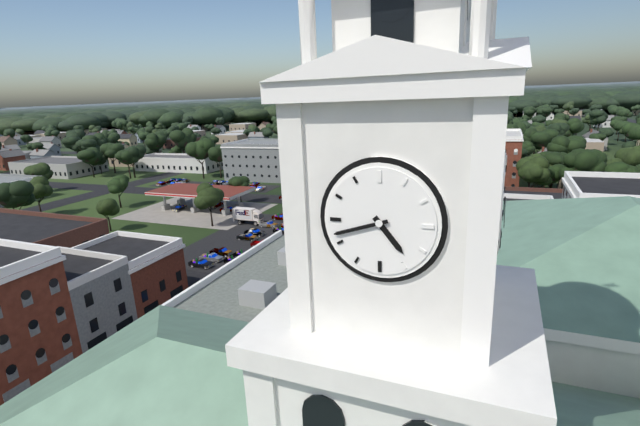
4 h 42 min
